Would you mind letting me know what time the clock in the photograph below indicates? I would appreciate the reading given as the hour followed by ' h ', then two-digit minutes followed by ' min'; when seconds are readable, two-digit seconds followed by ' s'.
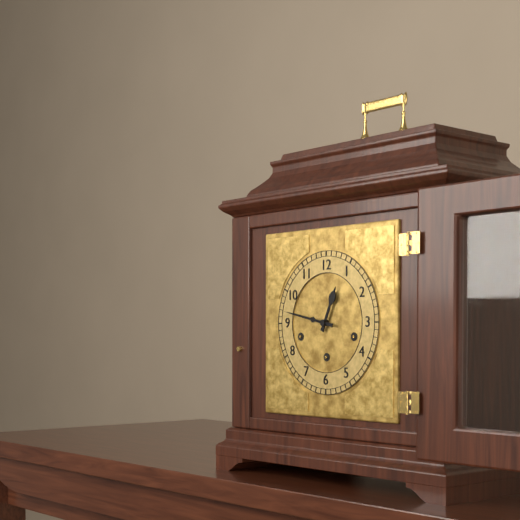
12 h 47 min
